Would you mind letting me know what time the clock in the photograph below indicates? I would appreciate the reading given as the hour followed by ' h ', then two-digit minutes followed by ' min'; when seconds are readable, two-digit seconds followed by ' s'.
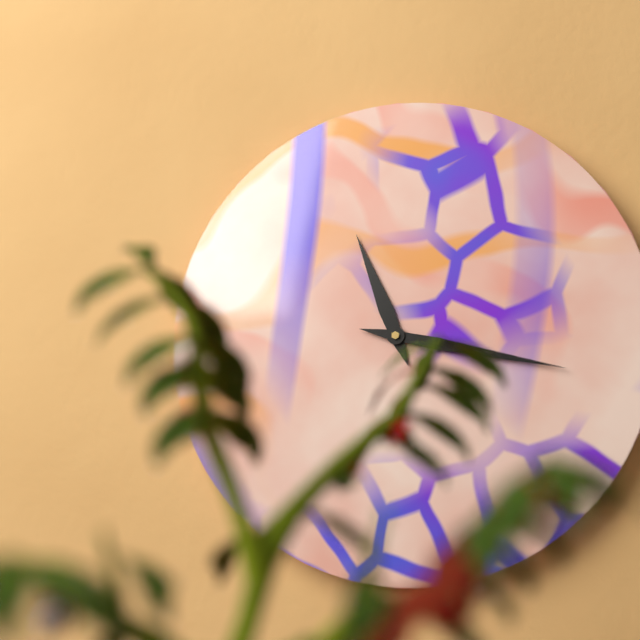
11 h 17 min
